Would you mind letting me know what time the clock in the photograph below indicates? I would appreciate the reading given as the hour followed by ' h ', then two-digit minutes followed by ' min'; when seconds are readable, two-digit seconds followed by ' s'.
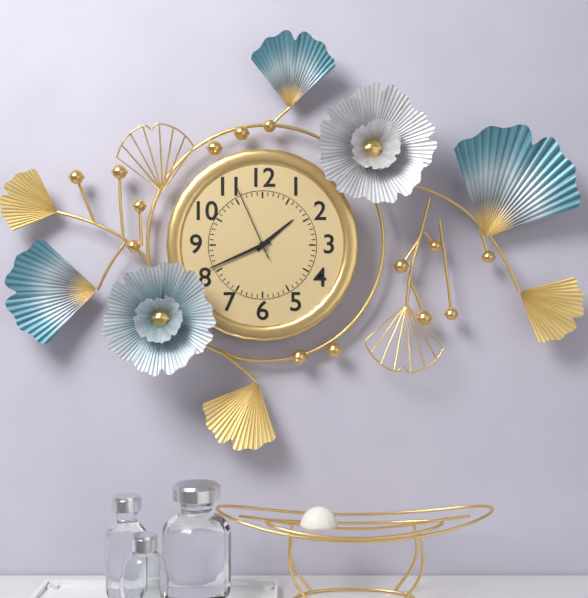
1 h 41 min 56 s
